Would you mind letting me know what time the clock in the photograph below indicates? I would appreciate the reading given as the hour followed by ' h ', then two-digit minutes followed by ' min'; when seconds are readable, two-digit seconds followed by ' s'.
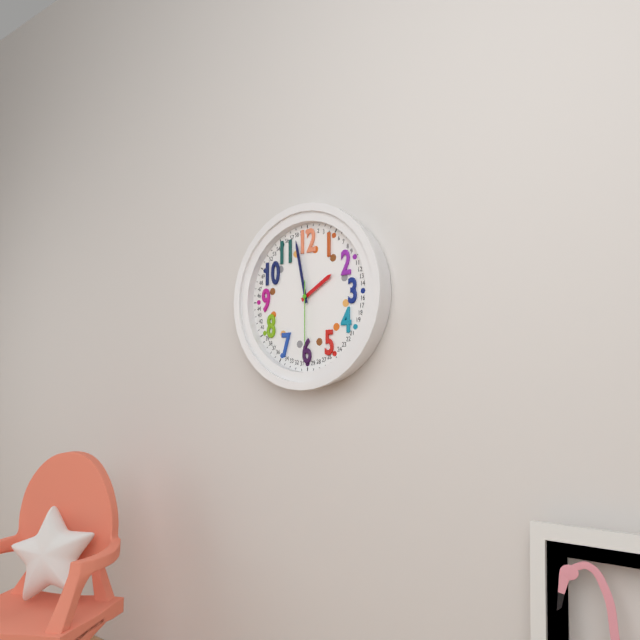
1 h 58 min 30 s
